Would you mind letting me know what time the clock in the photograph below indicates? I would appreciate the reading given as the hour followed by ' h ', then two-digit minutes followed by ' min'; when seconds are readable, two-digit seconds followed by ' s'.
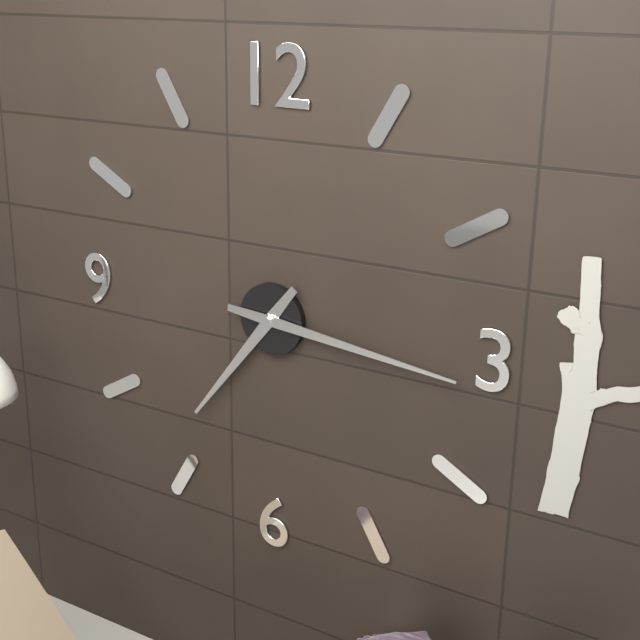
7 h 16 min
